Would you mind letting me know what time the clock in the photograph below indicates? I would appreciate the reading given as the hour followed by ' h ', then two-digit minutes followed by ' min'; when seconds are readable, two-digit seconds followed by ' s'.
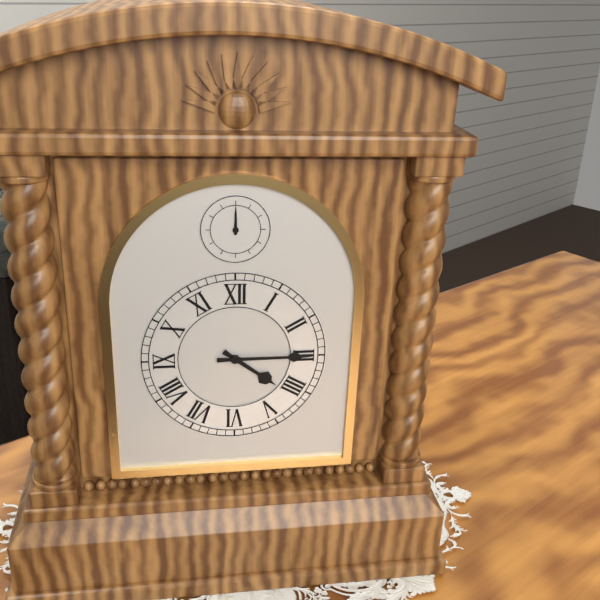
4 h 15 min
